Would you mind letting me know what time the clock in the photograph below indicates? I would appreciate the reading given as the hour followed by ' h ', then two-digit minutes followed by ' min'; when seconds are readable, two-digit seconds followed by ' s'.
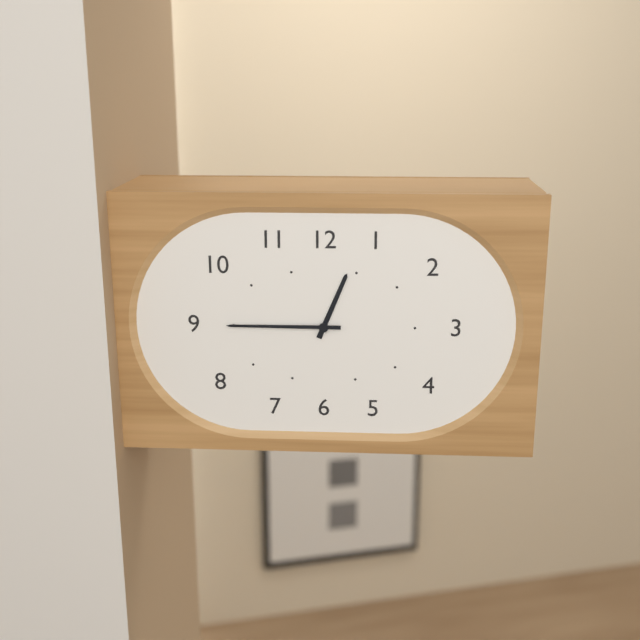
12 h 45 min
